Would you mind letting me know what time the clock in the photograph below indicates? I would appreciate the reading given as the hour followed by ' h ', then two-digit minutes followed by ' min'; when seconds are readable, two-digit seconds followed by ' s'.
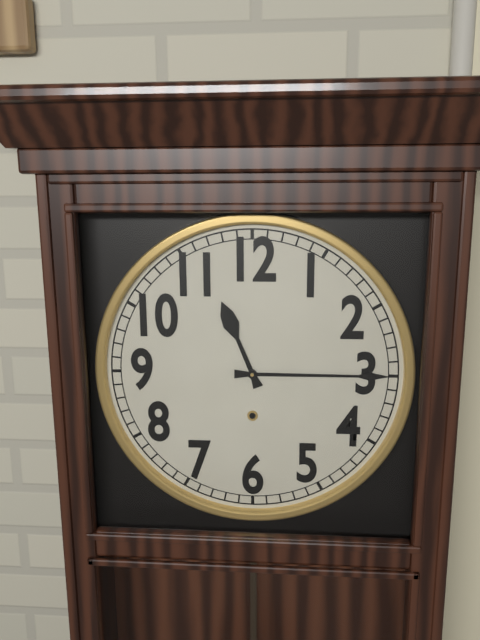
11 h 15 min
